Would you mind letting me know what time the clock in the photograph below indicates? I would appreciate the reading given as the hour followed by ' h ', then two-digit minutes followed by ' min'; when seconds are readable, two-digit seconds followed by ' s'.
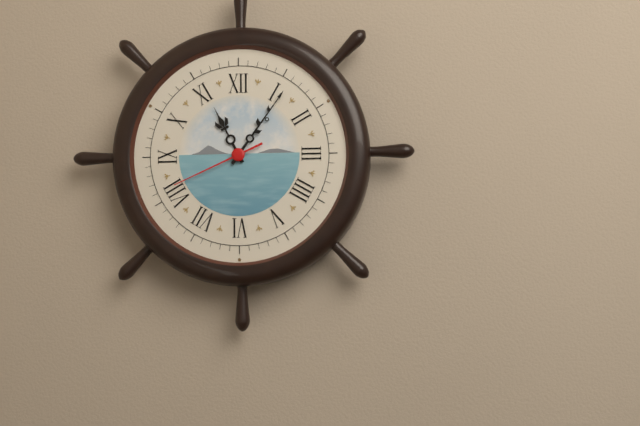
11 h 06 min 41 s
